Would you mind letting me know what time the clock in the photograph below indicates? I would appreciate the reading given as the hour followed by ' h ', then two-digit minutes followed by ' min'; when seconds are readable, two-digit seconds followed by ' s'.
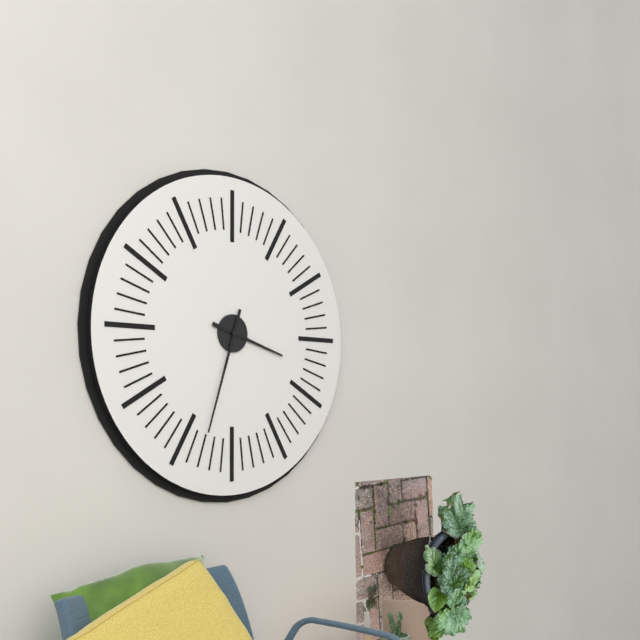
3 h 33 min
